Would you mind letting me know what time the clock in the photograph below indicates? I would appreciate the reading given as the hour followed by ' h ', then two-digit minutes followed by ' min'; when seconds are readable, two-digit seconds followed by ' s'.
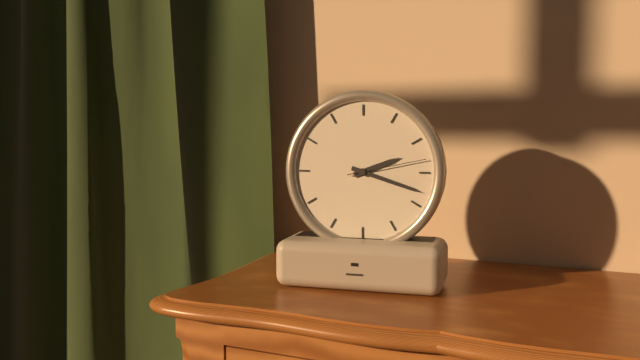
2 h 18 min 13 s
